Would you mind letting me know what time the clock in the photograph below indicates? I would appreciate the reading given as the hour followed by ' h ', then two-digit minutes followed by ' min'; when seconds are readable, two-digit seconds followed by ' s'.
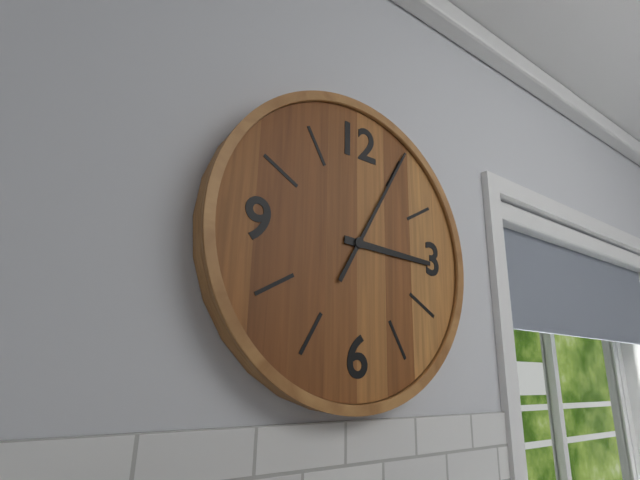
3 h 05 min
